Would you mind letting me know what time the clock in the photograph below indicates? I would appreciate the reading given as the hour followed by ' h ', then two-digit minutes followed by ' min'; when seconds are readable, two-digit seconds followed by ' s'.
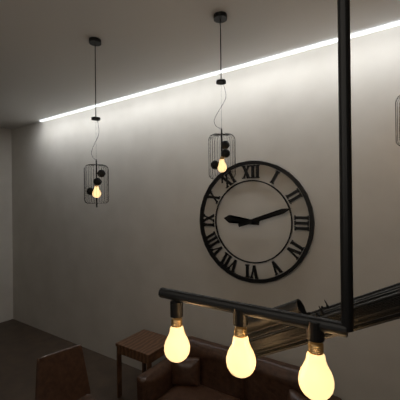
9 h 12 min
